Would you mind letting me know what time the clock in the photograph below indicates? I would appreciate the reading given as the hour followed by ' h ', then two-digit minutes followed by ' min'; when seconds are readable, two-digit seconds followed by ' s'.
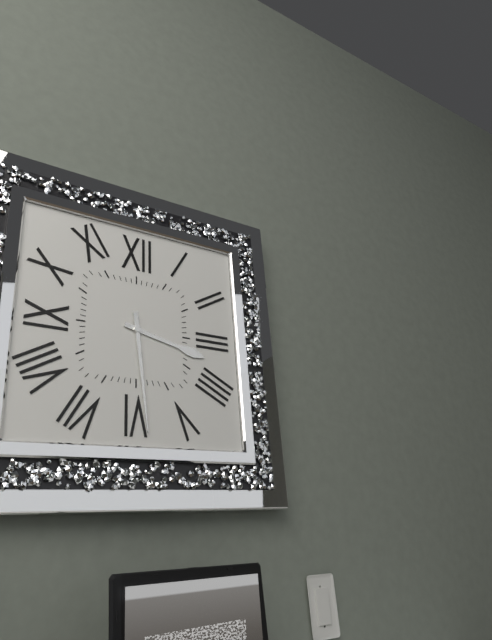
3 h 29 min
